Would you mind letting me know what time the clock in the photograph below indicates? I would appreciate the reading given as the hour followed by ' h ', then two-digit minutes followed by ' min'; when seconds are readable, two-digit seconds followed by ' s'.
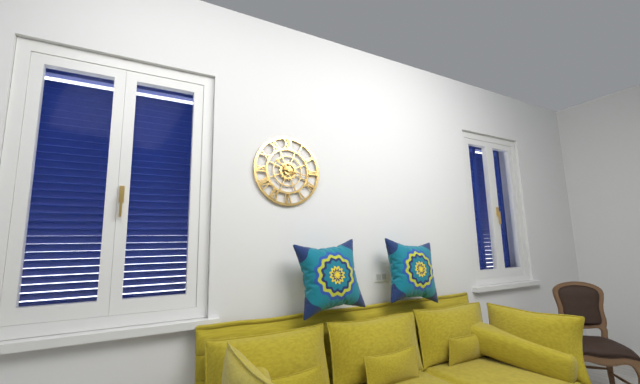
10 h 17 min
